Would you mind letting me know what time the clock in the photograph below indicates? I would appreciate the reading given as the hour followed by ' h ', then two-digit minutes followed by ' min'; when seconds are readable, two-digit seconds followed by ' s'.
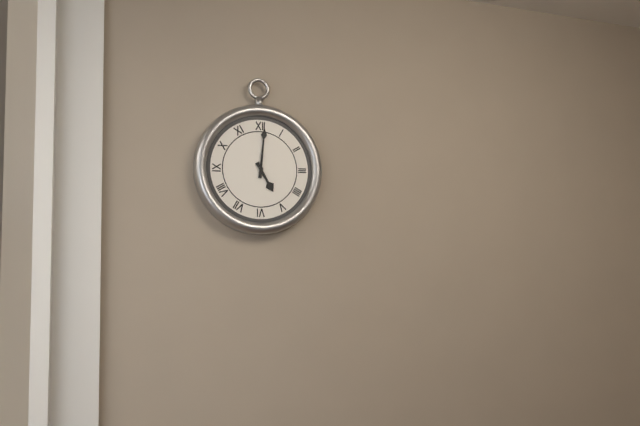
5 h 01 min
